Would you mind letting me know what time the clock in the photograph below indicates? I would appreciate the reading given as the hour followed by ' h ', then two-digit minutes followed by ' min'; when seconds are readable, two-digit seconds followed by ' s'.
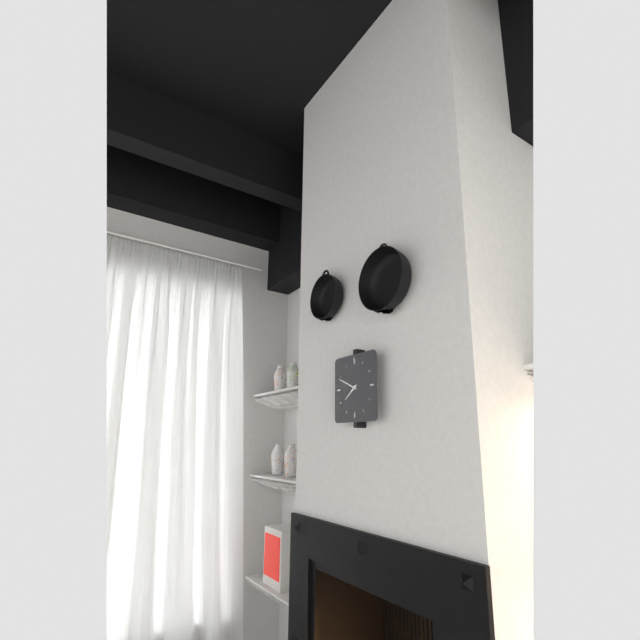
7 h 49 min
